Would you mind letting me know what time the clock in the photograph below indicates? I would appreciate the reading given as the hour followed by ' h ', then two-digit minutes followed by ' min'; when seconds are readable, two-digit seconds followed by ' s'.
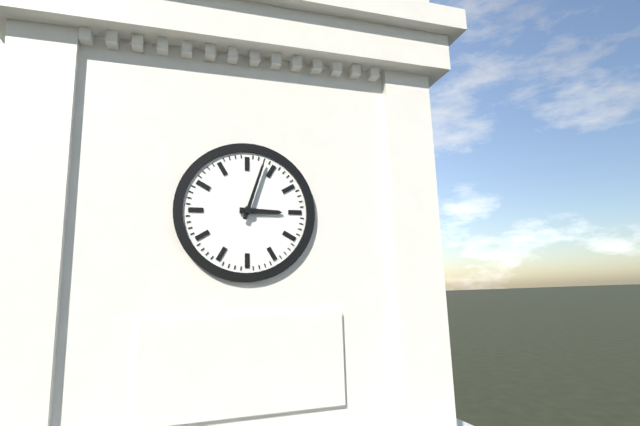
3 h 03 min
